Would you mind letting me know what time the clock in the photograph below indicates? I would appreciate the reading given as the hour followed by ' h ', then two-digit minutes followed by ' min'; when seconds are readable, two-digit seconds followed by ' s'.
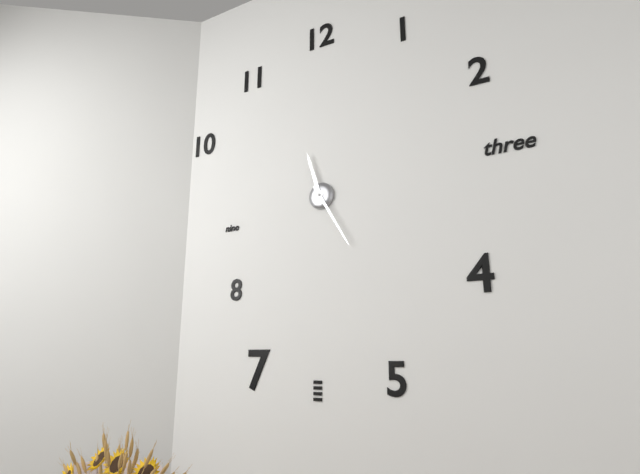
11 h 25 min
